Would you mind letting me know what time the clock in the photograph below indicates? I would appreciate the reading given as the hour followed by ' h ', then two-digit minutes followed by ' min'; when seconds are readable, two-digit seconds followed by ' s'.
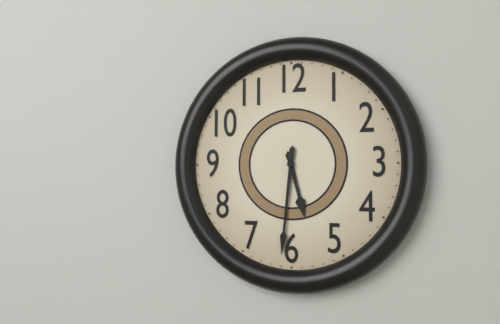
5 h 31 min
